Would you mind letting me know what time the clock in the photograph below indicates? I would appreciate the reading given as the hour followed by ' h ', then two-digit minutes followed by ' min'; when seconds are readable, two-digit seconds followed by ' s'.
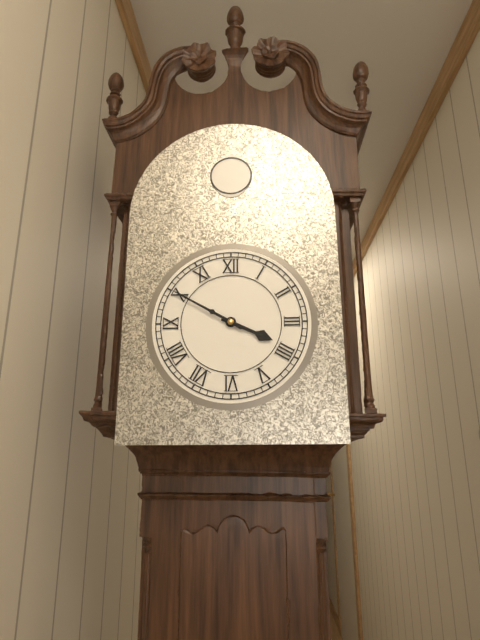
3 h 50 min
